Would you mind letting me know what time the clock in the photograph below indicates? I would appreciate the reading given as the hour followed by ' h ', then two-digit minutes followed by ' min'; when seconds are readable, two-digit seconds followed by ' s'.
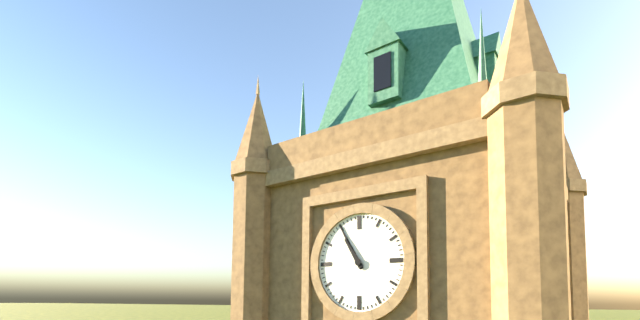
10 h 55 min
